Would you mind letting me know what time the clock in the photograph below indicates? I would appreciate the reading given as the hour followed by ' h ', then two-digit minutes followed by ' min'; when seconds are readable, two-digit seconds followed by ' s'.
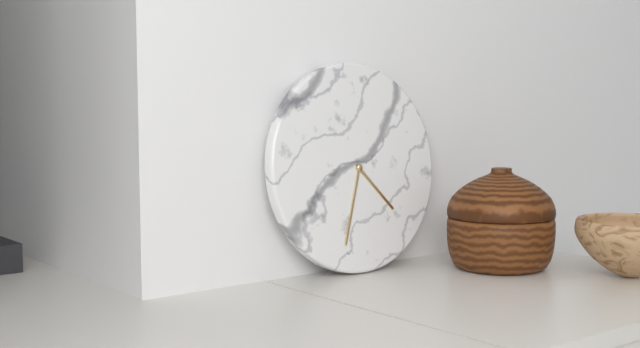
4 h 33 min
